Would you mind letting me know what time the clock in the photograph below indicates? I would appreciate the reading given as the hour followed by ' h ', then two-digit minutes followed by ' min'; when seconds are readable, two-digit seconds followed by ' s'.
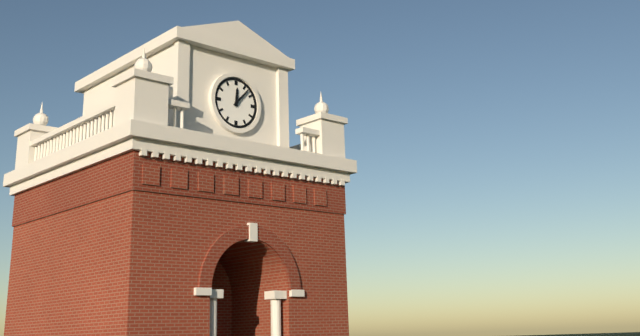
12 h 07 min
